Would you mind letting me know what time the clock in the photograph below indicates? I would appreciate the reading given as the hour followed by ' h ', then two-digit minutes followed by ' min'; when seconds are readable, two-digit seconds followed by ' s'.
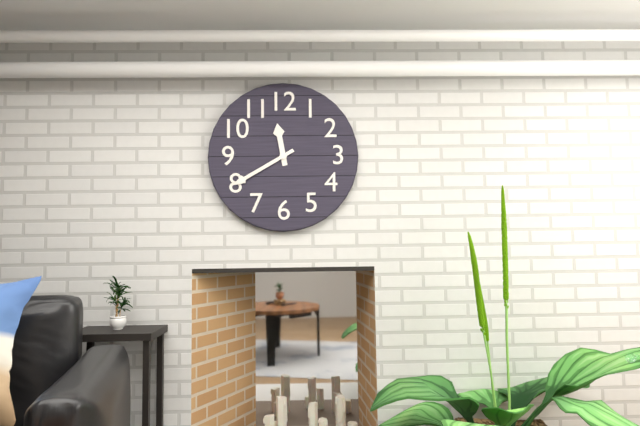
11 h 40 min
